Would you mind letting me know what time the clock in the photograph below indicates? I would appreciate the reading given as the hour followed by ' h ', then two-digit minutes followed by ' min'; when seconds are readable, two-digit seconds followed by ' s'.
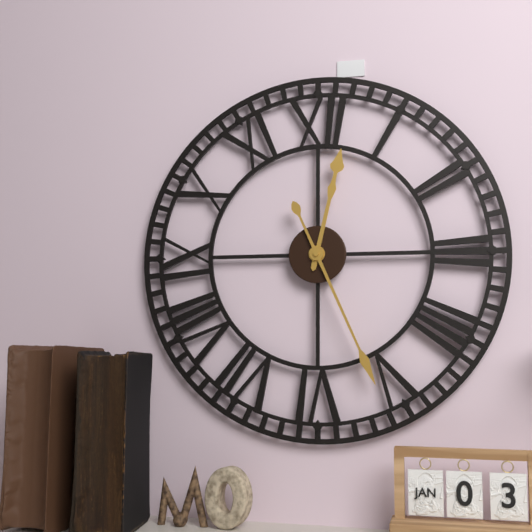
12 h 26 min
